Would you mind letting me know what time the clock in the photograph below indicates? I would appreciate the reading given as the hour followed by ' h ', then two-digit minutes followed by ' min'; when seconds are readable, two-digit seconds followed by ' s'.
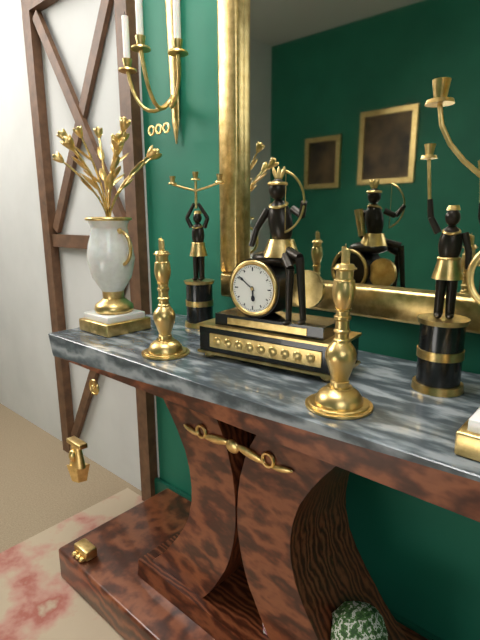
5 h 51 min
